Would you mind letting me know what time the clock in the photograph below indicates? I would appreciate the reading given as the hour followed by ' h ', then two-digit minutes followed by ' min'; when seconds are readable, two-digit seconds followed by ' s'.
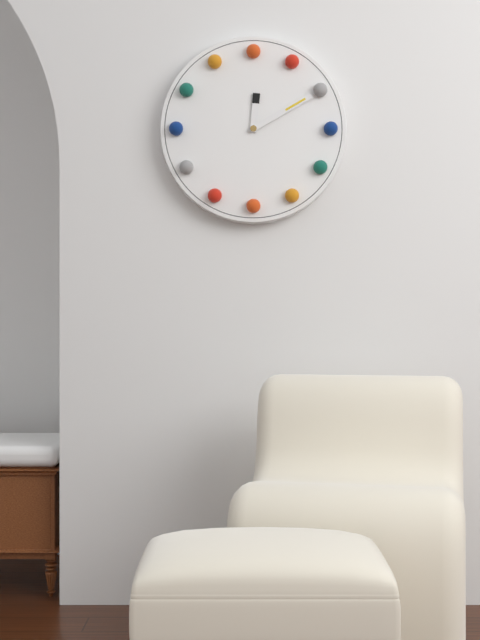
12 h 10 min
